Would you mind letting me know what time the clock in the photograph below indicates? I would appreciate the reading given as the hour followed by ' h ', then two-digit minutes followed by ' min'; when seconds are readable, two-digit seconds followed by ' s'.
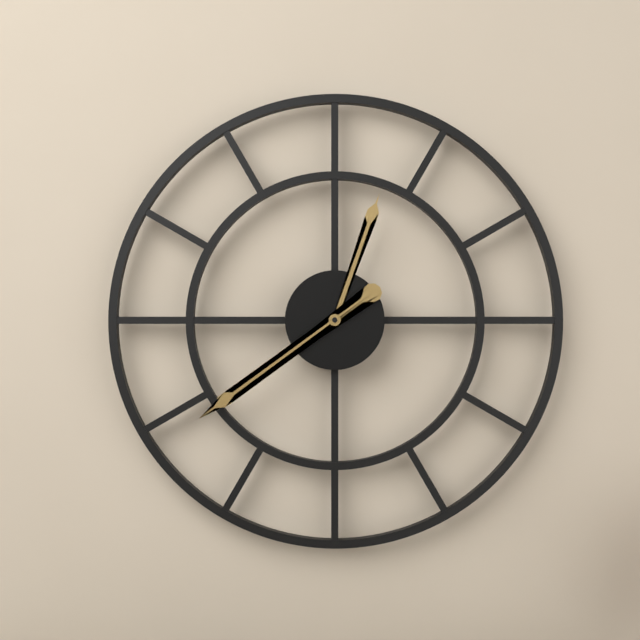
12 h 39 min
